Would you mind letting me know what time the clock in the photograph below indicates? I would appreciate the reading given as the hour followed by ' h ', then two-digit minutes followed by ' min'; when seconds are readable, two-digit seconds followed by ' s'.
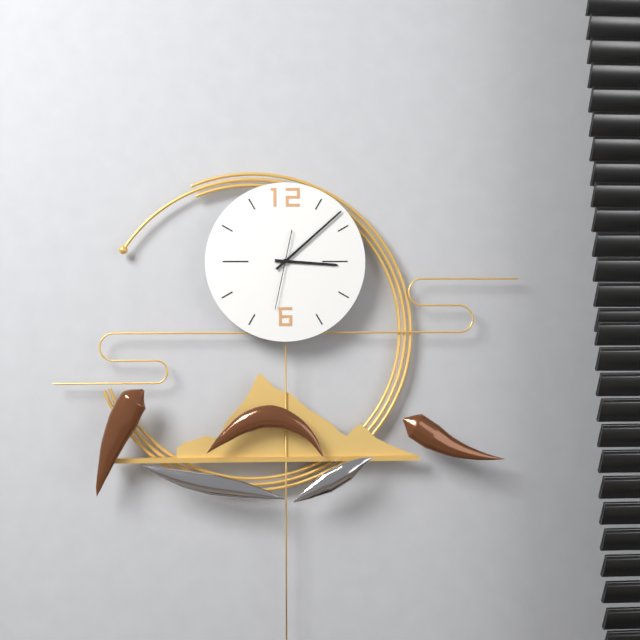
3 h 08 min 32 s
